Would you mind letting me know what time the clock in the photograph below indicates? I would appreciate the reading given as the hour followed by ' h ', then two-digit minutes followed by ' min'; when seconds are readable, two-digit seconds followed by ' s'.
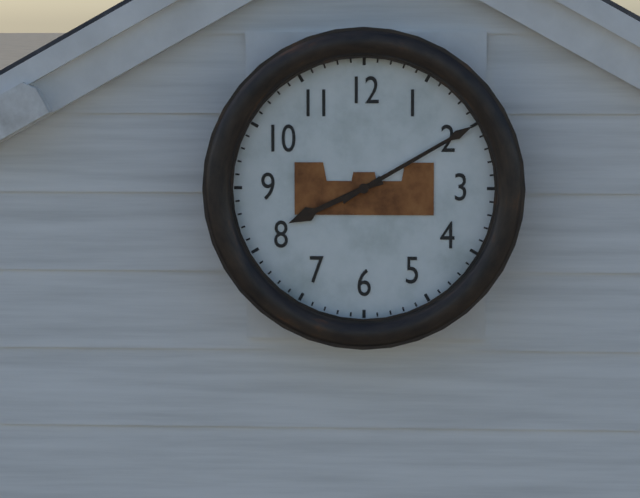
8 h 10 min
